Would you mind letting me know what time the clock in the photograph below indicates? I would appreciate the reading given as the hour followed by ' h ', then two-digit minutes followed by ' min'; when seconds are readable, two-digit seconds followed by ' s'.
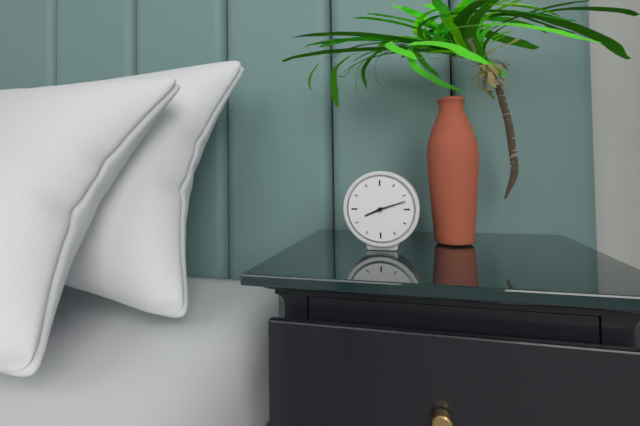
8 h 12 min
